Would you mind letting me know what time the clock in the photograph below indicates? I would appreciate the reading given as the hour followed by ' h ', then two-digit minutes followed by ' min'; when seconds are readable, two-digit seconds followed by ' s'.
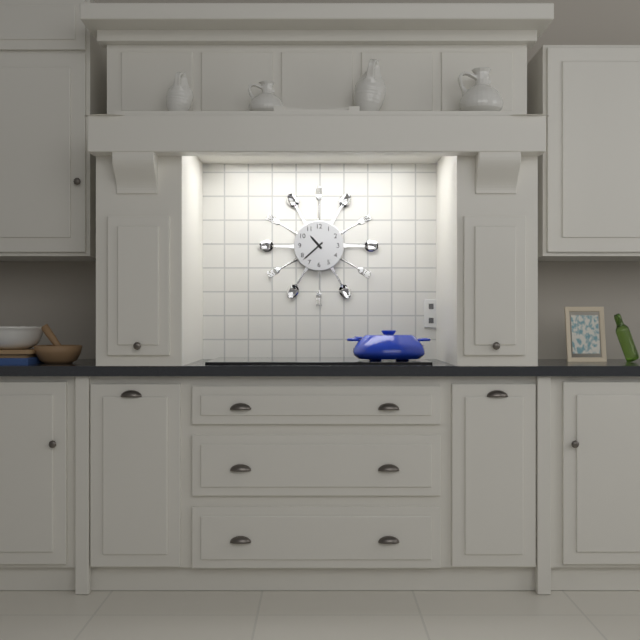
10 h 38 min
